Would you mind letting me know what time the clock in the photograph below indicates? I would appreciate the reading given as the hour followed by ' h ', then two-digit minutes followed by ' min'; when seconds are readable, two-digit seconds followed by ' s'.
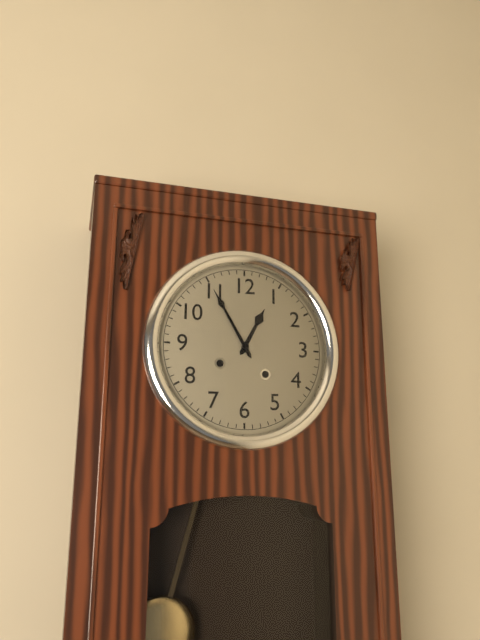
12 h 55 min
